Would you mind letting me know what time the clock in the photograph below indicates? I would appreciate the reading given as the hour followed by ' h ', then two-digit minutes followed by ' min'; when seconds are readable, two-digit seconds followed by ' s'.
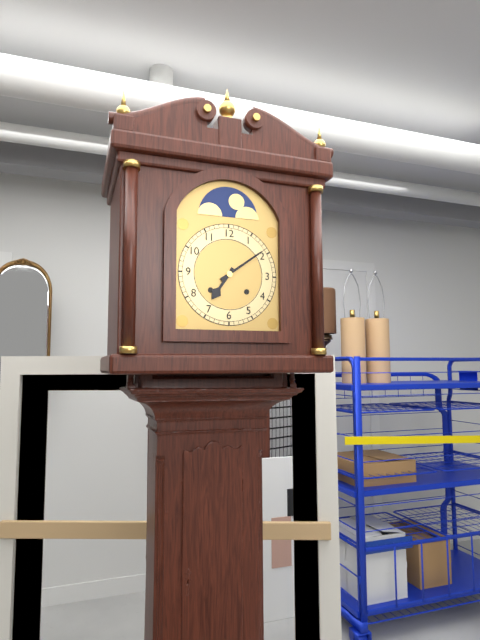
7 h 09 min
